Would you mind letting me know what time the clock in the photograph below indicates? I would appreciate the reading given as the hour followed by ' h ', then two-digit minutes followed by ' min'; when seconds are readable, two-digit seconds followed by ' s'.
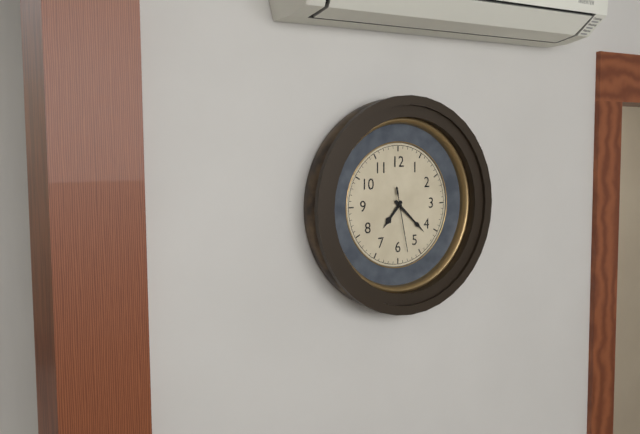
7 h 22 min 28 s
